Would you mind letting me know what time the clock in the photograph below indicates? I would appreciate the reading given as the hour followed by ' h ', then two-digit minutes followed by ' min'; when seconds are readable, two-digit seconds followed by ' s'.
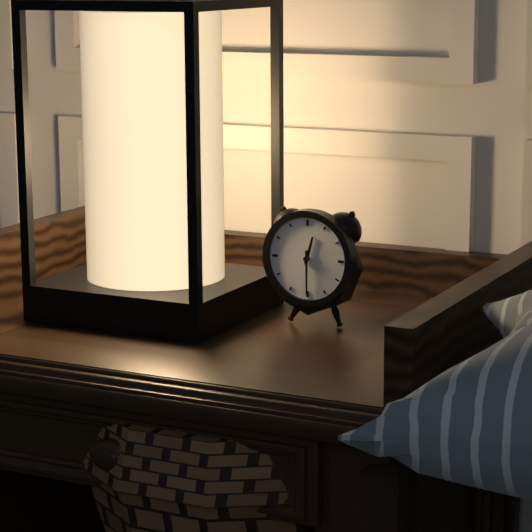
12 h 30 min
